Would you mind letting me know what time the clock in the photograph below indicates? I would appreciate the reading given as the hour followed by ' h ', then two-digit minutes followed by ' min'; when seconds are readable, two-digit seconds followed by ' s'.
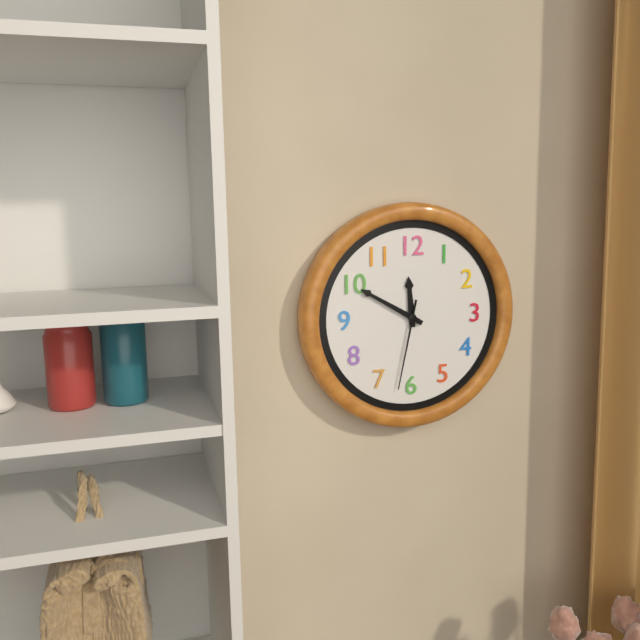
11 h 50 min 32 s
